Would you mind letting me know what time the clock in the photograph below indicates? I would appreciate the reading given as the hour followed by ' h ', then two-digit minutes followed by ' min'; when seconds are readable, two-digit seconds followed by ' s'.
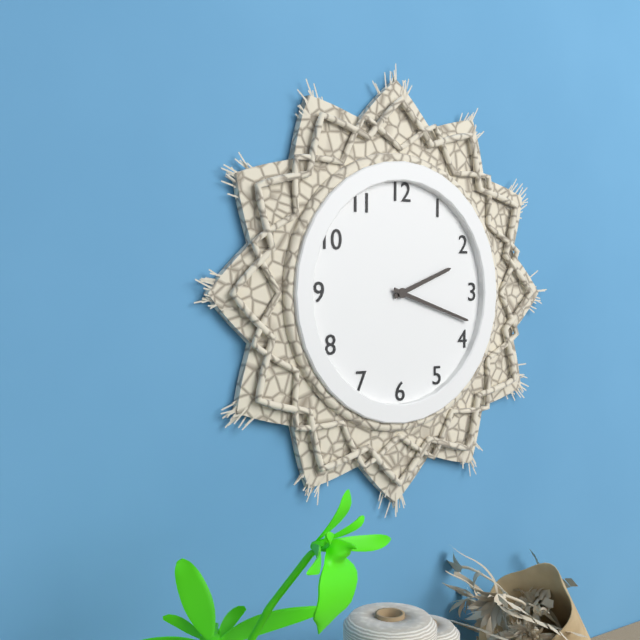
2 h 18 min
